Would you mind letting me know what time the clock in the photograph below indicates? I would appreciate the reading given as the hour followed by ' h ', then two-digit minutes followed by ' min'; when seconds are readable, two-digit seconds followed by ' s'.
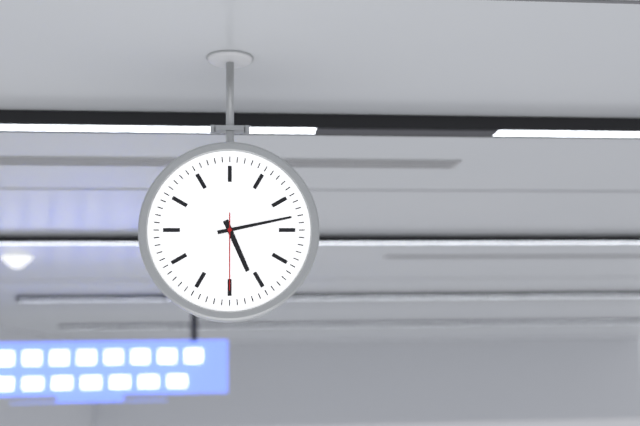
5 h 13 min 30 s
